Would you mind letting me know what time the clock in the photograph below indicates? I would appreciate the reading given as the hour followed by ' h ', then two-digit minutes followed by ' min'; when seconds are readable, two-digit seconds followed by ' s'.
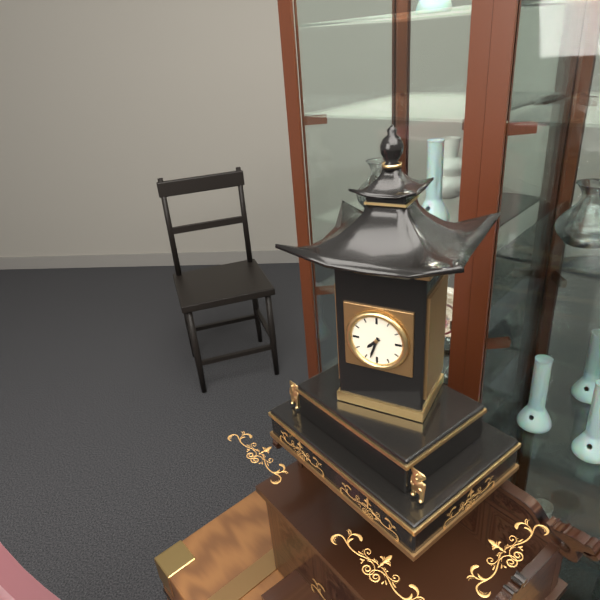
7 h 33 min
